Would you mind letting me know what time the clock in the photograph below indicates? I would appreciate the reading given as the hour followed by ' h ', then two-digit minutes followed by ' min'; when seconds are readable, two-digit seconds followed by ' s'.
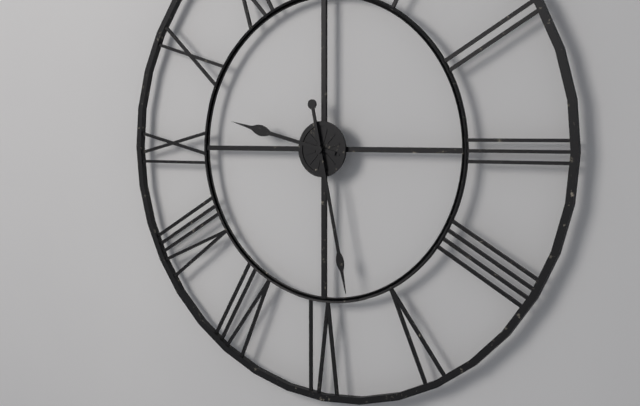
9 h 28 min
